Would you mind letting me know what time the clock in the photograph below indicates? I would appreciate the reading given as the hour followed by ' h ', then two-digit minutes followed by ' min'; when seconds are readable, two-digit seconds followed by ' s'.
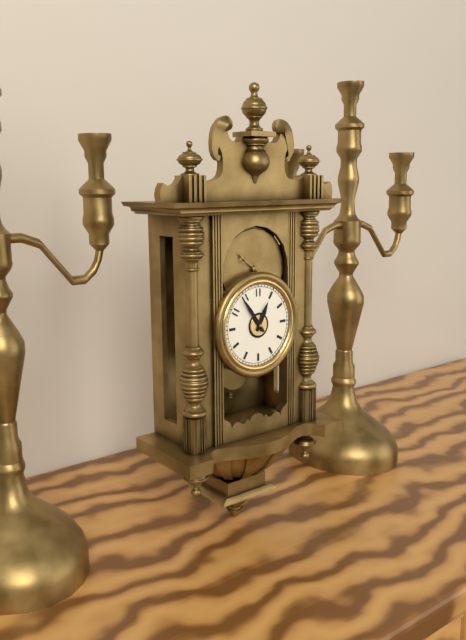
12 h 54 min
